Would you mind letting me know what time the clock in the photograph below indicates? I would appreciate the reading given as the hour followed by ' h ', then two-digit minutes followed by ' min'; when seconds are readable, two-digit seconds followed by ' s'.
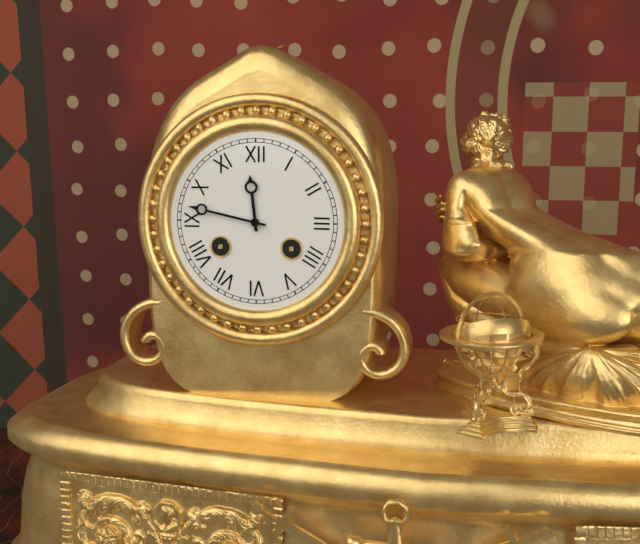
11 h 47 min
